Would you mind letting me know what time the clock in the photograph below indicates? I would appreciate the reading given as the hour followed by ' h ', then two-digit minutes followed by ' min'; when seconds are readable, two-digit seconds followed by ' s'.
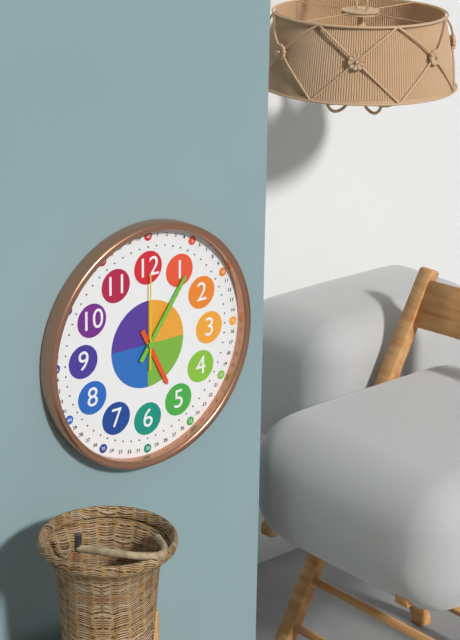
5 h 06 min 00 s
